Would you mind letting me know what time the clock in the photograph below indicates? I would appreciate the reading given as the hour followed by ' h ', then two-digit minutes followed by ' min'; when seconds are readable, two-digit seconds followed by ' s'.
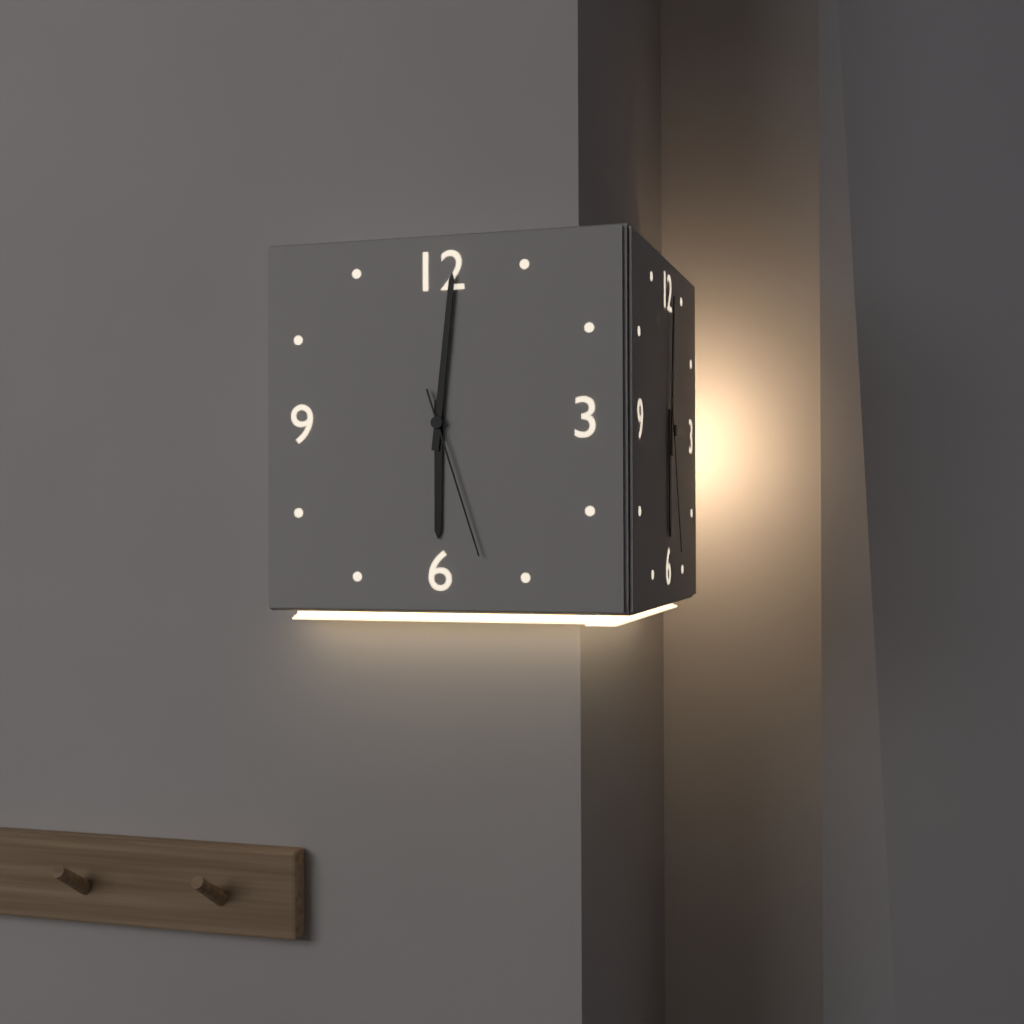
6 h 01 min 27 s
